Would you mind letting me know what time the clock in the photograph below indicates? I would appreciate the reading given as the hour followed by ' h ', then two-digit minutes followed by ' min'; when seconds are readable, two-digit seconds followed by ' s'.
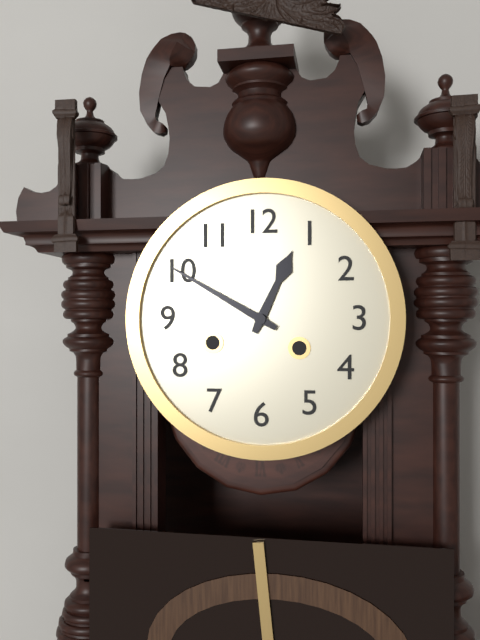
12 h 50 min
